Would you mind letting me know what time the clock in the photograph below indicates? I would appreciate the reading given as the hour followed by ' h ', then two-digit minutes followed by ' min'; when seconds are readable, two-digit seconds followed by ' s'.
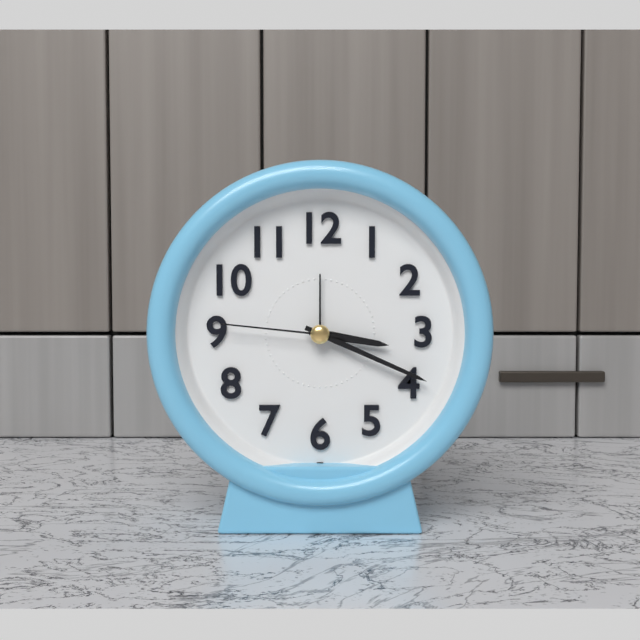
3 h 19 min 46 s
